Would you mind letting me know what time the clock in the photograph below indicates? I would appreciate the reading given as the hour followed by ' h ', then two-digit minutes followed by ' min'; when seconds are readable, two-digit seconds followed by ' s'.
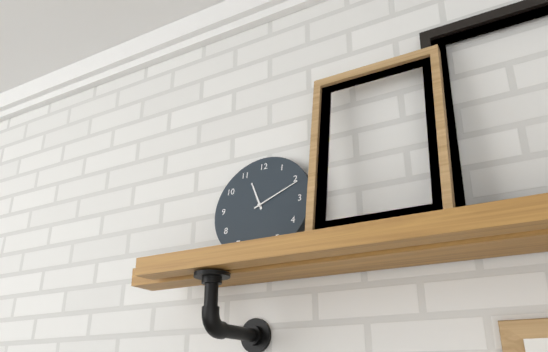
11 h 11 min
